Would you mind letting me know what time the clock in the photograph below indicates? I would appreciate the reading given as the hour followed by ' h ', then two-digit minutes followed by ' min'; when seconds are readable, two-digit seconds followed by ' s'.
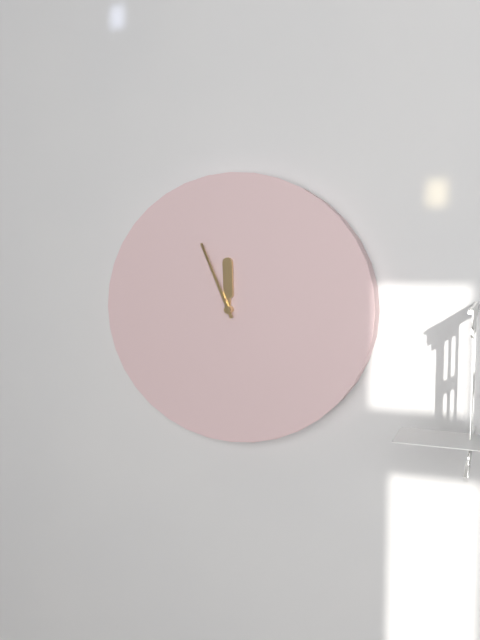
11 h 56 min
